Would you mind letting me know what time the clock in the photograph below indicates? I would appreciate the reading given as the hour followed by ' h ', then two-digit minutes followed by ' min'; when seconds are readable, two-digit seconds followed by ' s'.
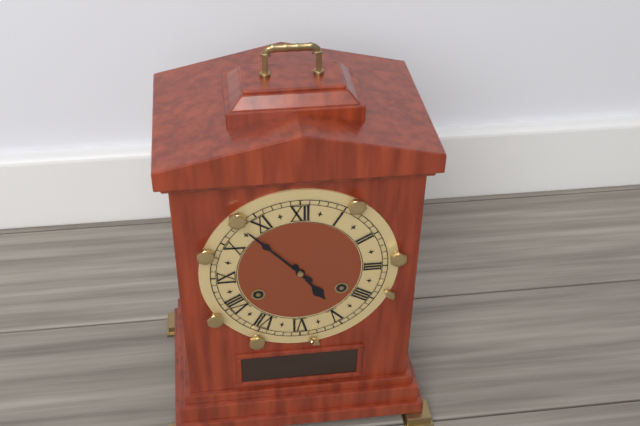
4 h 53 min
